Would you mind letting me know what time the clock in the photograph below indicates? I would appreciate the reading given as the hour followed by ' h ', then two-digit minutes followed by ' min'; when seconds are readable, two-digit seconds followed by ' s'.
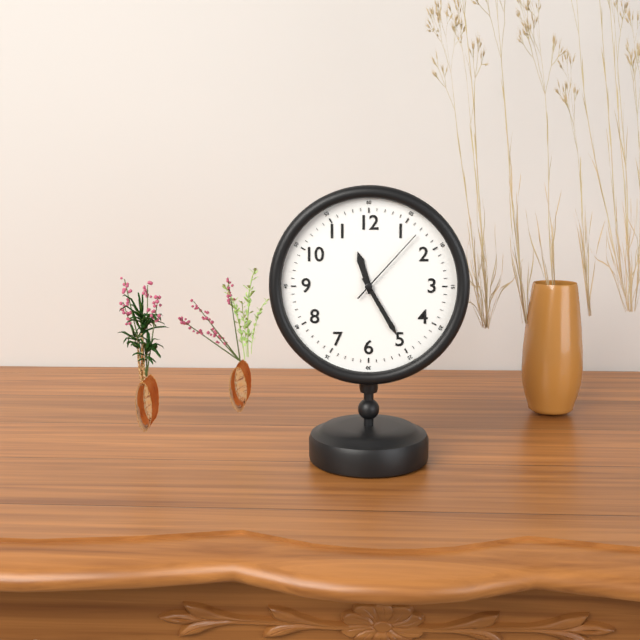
11 h 25 min 07 s
